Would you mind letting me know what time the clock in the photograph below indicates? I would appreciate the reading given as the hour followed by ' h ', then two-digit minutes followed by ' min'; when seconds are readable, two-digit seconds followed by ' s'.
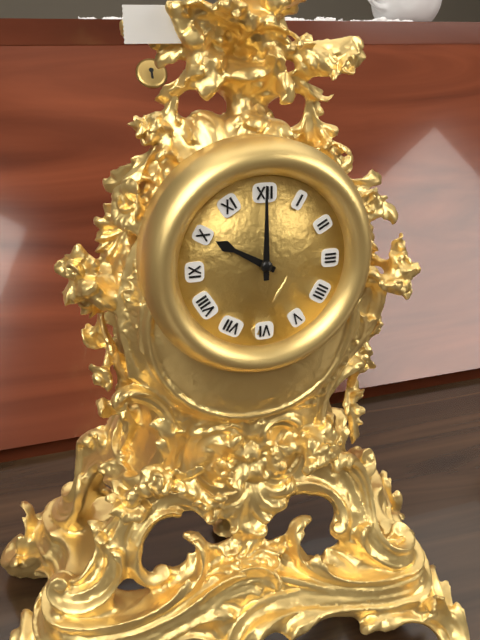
10 h 00 min
